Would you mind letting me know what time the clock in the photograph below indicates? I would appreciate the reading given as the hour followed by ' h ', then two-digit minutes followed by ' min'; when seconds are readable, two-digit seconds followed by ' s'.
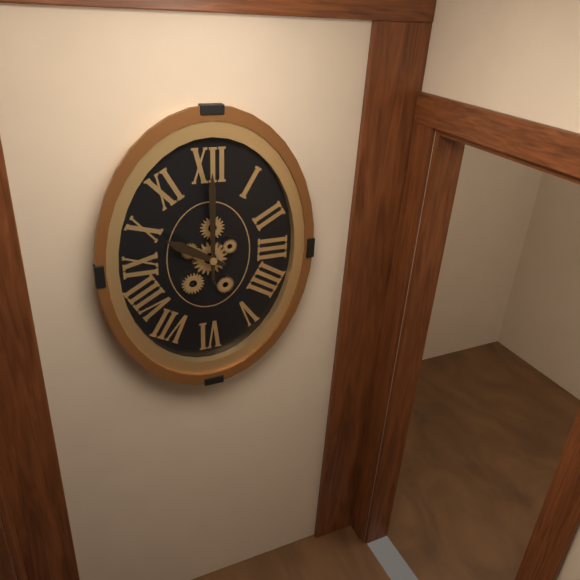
10 h 00 min
